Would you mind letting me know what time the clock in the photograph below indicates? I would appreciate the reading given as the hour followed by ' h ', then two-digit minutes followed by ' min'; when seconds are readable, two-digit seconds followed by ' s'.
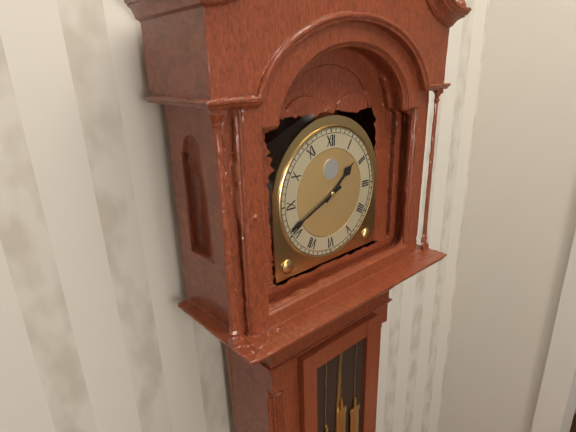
1 h 41 min
